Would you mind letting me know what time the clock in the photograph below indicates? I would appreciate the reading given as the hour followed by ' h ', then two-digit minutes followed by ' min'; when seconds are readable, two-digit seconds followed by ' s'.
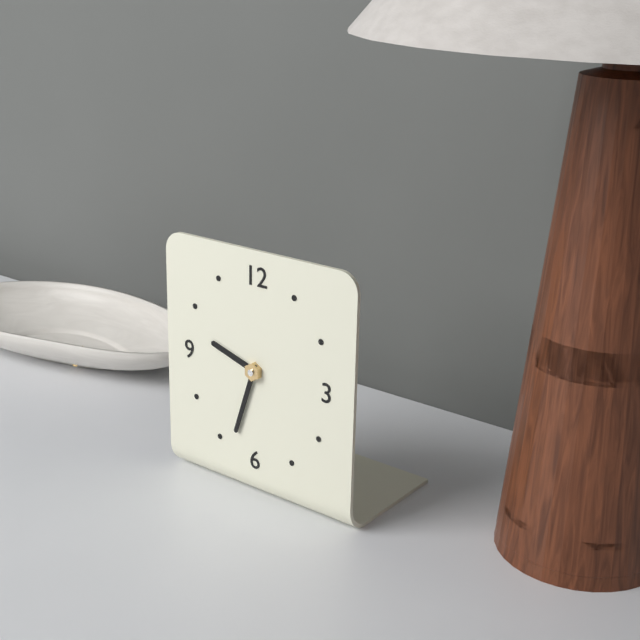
9 h 33 min
